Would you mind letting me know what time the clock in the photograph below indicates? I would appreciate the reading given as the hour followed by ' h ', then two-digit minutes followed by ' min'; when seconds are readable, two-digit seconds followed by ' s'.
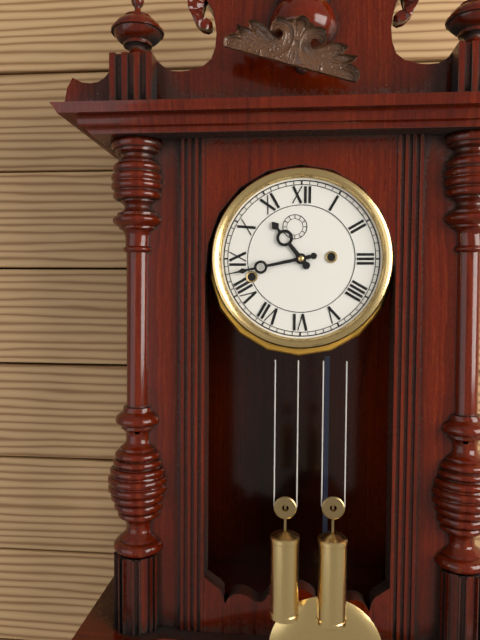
10 h 43 min
